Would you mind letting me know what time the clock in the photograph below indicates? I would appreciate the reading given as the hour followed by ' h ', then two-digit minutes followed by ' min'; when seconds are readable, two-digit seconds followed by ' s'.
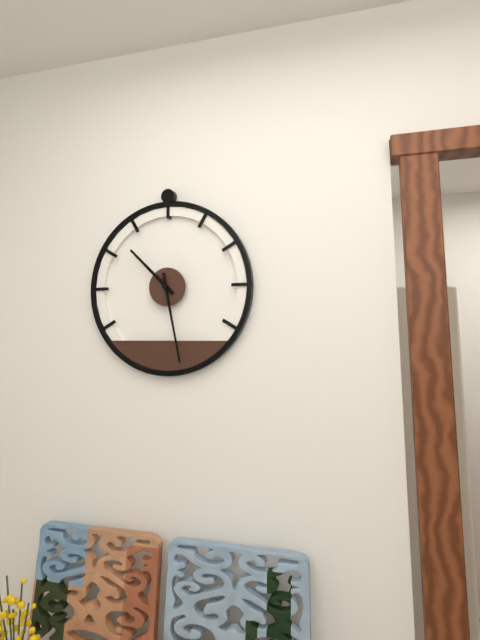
10 h 28 min
